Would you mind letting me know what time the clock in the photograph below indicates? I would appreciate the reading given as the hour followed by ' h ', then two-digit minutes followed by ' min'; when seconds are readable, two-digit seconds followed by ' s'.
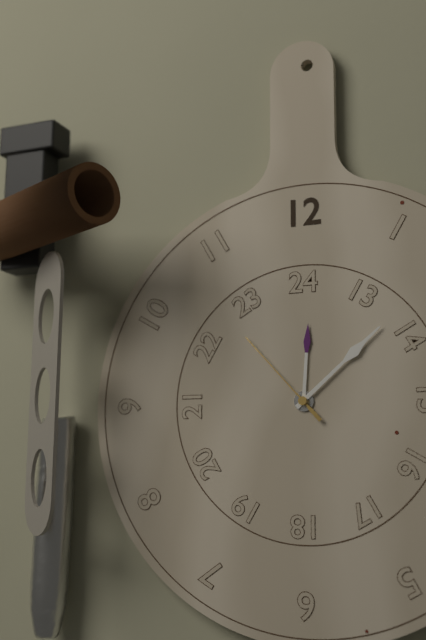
12 h 08 min 53 s
